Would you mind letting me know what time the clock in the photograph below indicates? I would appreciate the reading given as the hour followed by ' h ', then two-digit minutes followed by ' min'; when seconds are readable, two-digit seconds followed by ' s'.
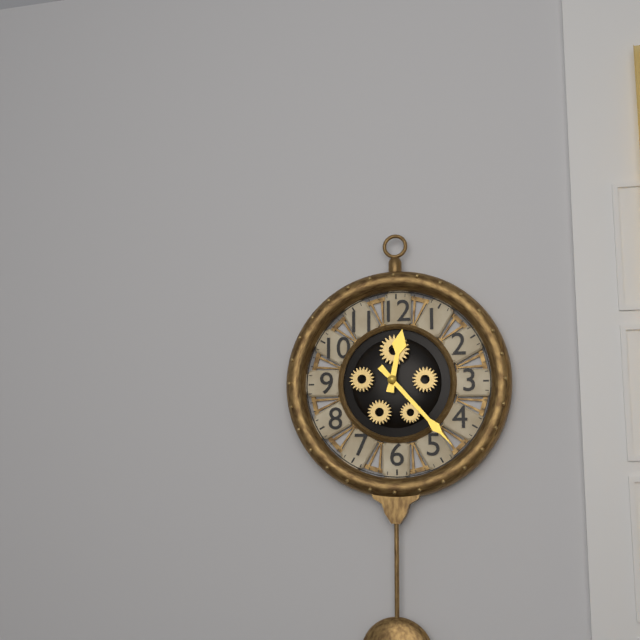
12 h 23 min
